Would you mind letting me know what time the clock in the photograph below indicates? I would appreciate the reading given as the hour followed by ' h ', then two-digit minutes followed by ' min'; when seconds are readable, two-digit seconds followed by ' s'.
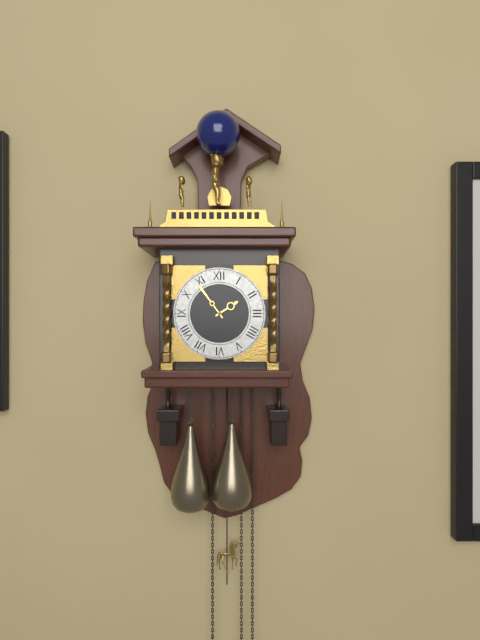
1 h 54 min
